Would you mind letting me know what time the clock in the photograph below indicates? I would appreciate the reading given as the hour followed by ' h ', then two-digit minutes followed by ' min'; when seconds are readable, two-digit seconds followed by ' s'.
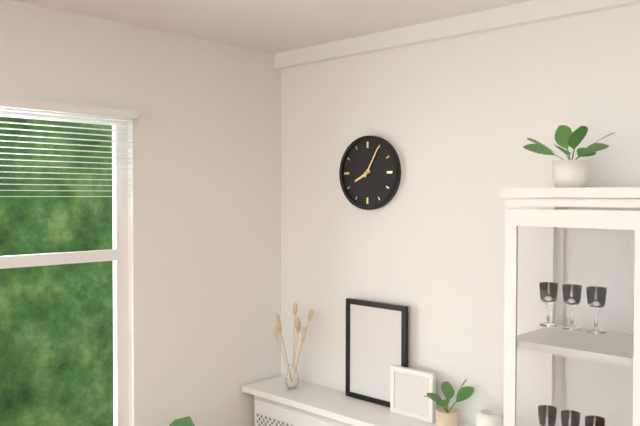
8 h 05 min
